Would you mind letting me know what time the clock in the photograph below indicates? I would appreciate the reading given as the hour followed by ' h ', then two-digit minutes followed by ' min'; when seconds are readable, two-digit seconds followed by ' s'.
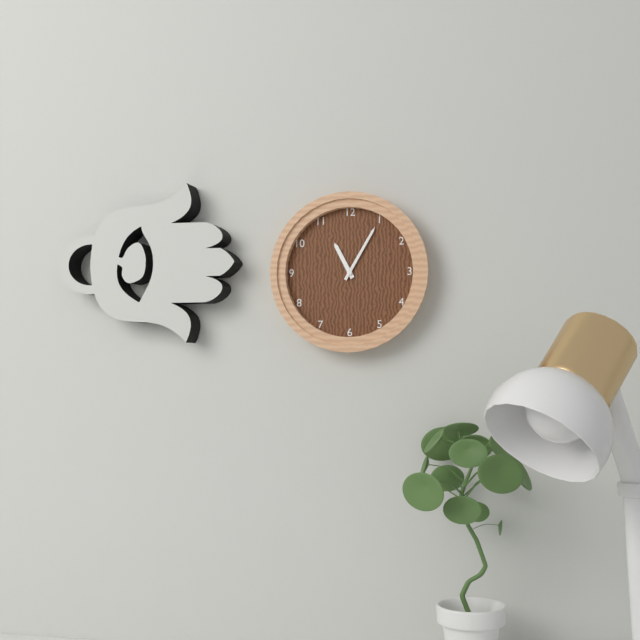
11 h 05 min
